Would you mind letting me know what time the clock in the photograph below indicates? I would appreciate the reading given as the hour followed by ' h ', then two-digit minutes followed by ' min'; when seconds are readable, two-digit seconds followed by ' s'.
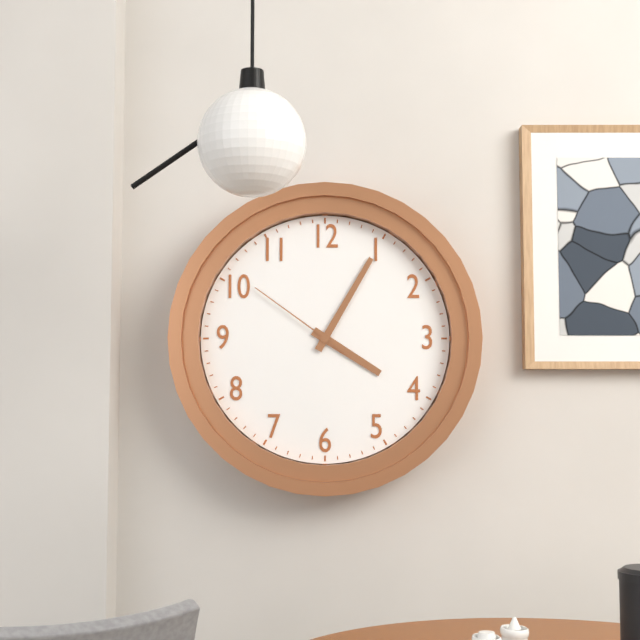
4 h 05 min 51 s
